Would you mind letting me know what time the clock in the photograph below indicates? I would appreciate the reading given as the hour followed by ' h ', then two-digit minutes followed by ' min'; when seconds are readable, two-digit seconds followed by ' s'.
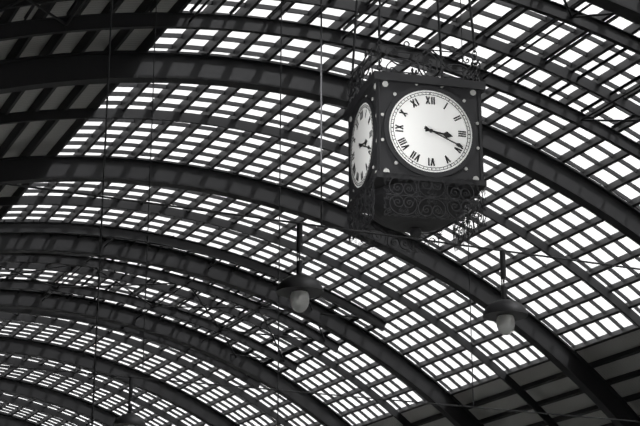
3 h 19 min
